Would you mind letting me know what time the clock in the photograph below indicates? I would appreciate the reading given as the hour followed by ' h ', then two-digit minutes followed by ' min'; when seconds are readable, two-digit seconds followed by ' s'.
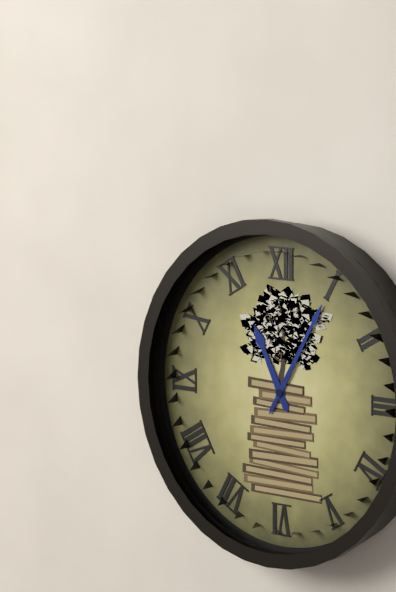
11 h 05 min
